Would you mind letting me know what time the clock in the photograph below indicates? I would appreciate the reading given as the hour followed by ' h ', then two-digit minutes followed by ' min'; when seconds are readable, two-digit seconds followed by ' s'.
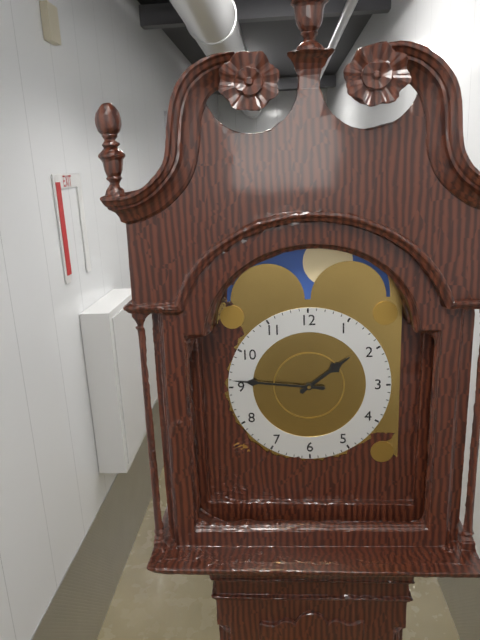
1 h 46 min
